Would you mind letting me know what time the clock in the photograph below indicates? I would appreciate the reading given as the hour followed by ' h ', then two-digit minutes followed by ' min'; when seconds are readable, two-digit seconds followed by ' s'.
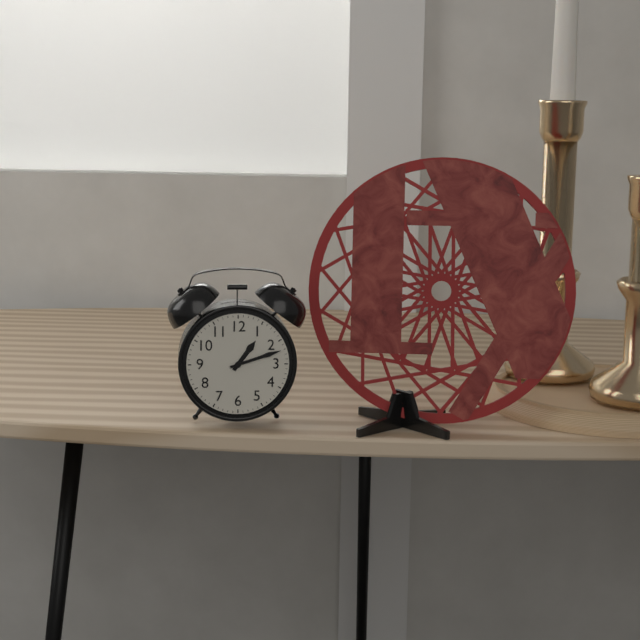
1 h 12 min
